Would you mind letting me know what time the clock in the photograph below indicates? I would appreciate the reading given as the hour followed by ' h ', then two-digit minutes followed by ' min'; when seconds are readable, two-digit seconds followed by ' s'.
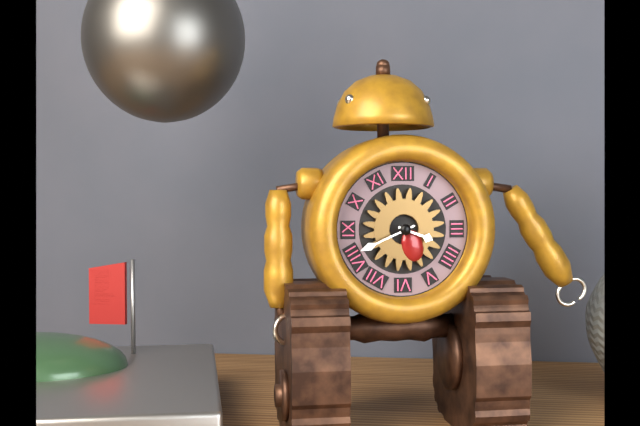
3 h 41 min
